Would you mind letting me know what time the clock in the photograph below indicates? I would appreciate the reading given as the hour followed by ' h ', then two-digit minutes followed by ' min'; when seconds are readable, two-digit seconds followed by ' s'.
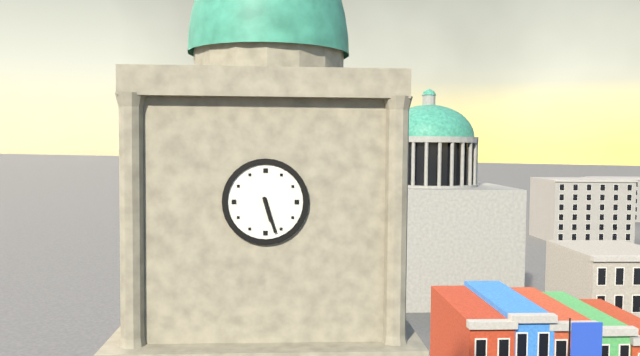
5 h 27 min
